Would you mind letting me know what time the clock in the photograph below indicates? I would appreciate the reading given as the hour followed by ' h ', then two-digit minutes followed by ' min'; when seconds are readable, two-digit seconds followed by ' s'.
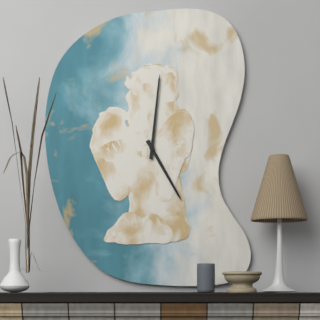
5 h 01 min
